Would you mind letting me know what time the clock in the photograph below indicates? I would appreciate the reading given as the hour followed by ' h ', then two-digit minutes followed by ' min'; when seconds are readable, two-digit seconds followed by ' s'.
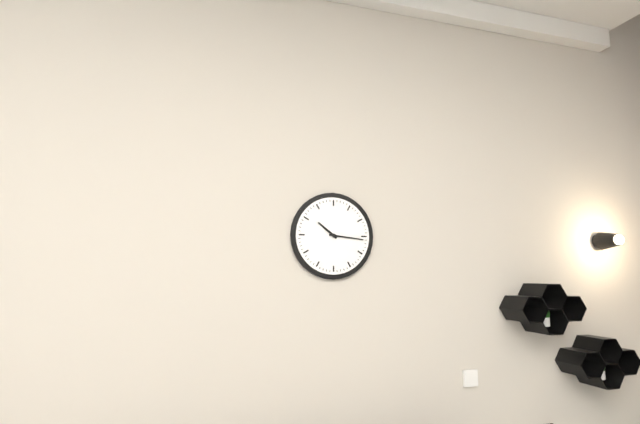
10 h 16 min
